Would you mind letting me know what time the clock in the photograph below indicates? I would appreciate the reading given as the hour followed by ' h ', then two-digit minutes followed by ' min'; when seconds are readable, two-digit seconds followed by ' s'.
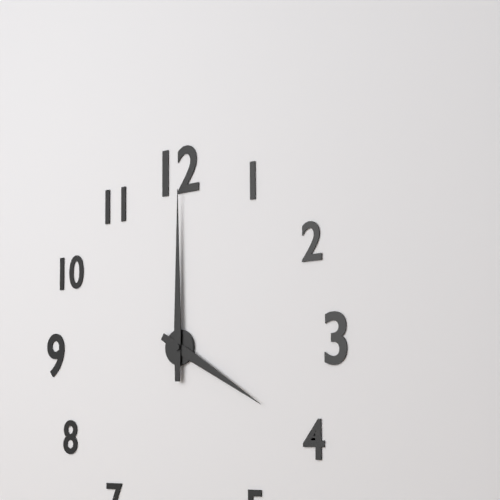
4 h 00 min
